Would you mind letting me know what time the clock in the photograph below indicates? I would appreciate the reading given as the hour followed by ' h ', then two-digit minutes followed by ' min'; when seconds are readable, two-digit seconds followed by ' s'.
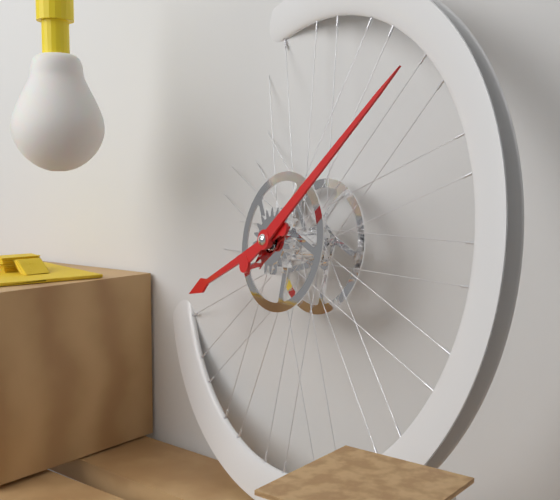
8 h 08 min
